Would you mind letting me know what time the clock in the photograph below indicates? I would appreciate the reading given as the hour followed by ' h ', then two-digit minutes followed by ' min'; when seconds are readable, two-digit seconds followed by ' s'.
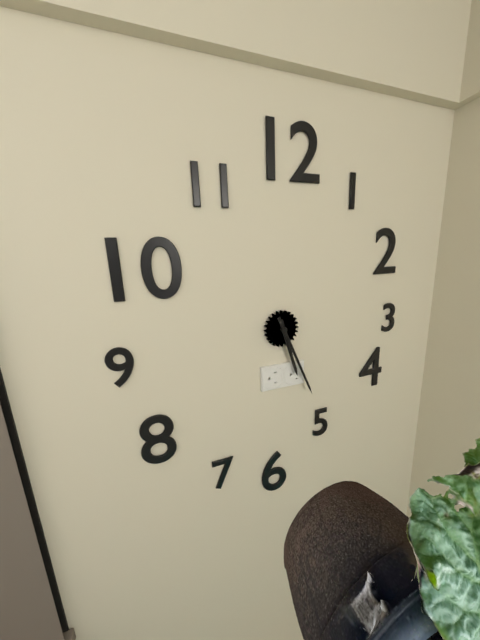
5 h 26 min
